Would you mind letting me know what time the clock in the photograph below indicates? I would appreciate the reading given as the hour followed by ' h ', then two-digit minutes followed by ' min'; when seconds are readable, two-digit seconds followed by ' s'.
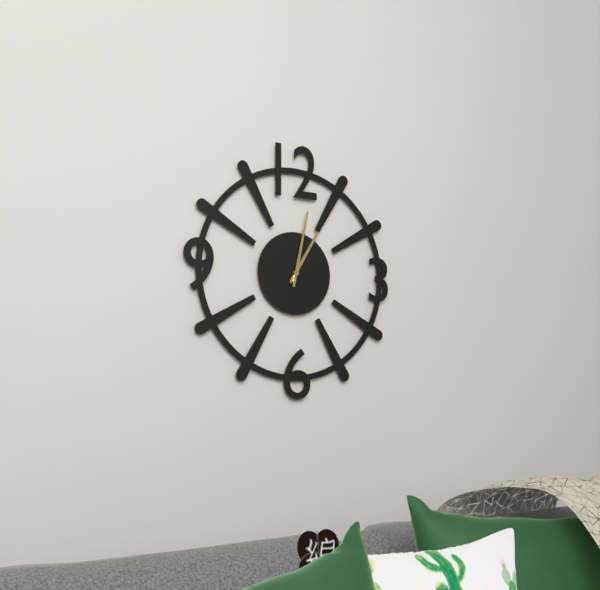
1 h 02 min
